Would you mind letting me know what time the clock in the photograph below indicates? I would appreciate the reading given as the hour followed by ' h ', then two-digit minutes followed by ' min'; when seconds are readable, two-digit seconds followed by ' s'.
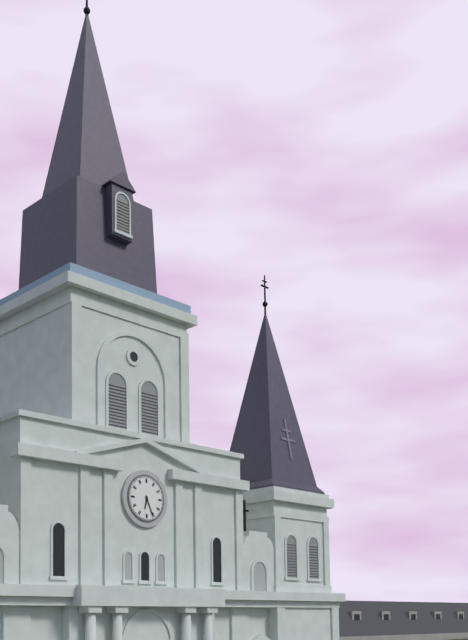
6 h 26 min
